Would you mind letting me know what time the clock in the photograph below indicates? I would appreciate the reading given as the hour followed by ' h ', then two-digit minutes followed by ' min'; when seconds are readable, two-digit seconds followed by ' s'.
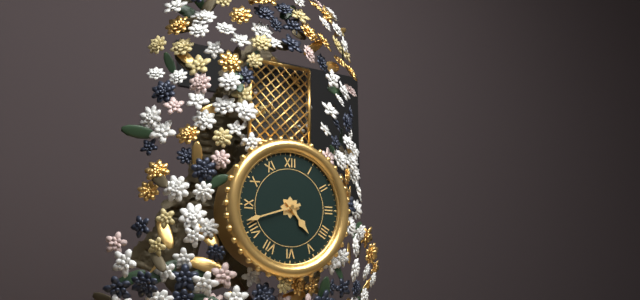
4 h 42 min
